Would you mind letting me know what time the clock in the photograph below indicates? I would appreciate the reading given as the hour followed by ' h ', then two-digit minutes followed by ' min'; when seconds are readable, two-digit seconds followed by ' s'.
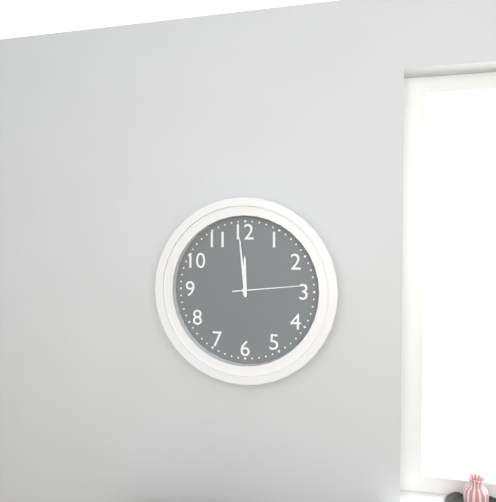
11 h 59 min 14 s
